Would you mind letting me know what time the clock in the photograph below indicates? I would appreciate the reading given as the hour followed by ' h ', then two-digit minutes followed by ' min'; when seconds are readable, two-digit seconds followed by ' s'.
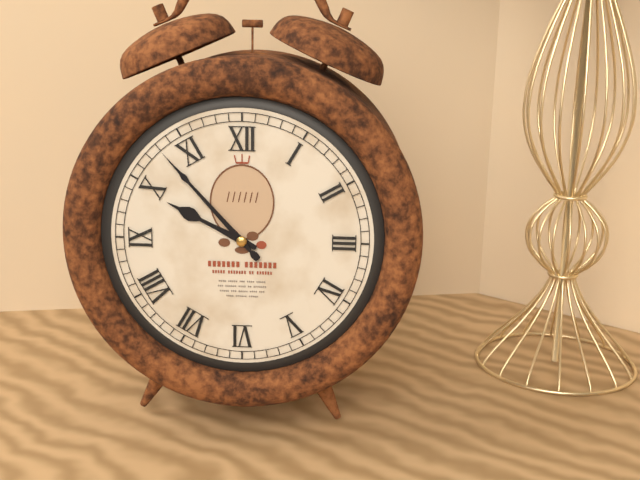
9 h 53 min
